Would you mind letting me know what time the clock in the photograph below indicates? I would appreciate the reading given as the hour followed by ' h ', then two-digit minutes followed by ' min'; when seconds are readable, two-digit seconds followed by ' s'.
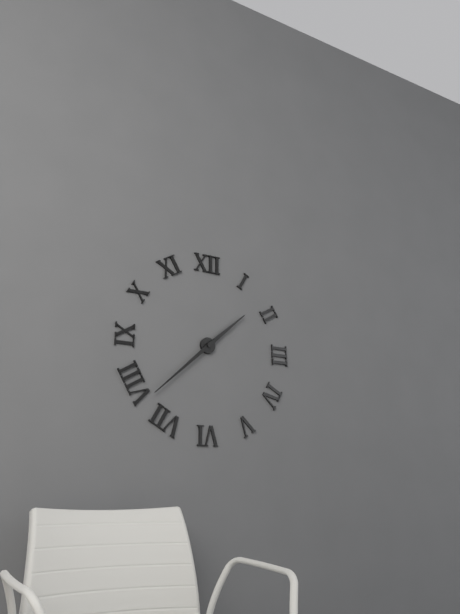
1 h 38 min
